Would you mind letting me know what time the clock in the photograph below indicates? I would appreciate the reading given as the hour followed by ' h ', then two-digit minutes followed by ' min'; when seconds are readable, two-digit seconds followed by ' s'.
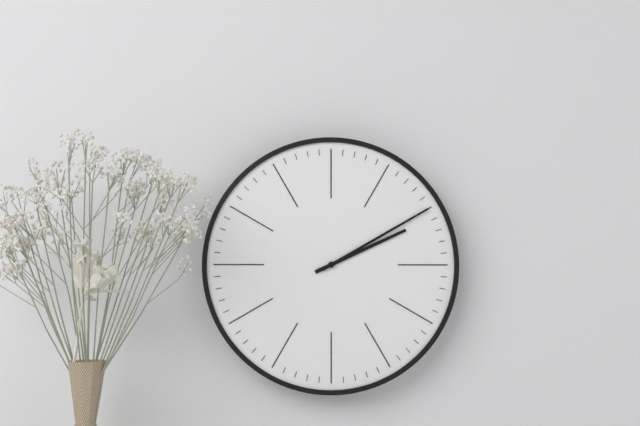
2 h 10 min
